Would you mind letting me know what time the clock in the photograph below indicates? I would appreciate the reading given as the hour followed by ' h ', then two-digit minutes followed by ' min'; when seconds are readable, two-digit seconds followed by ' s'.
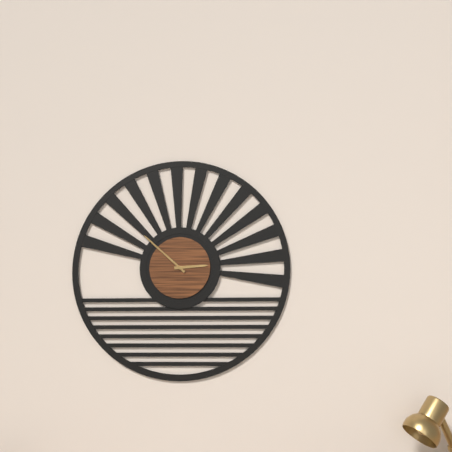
2 h 52 min
